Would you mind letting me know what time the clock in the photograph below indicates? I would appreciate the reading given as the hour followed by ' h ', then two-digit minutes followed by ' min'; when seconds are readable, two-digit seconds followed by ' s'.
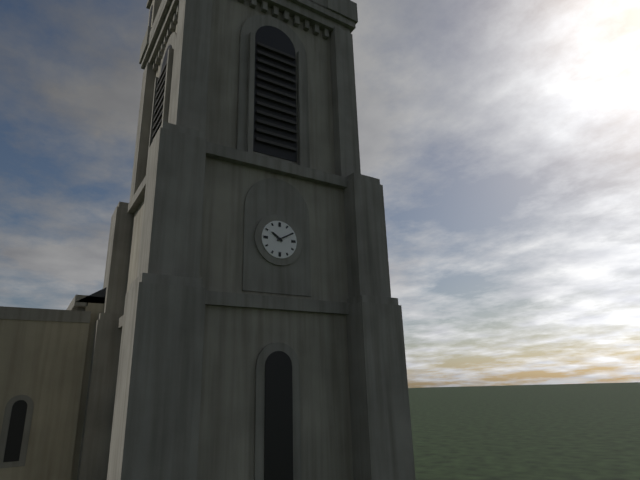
10 h 10 min
